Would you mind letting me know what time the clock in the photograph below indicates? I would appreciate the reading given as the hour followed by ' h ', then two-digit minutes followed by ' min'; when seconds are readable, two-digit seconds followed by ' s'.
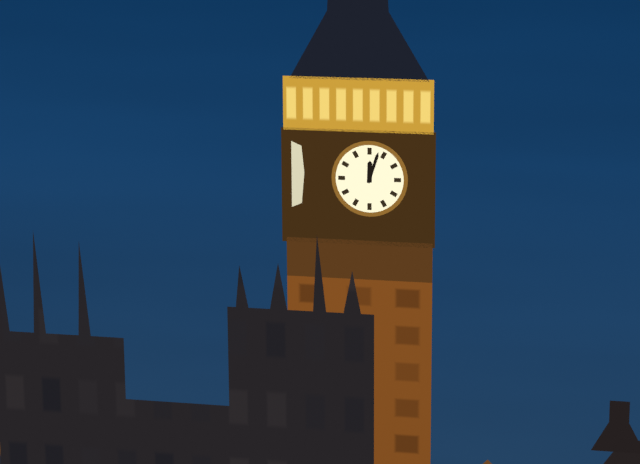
12 h 03 min
